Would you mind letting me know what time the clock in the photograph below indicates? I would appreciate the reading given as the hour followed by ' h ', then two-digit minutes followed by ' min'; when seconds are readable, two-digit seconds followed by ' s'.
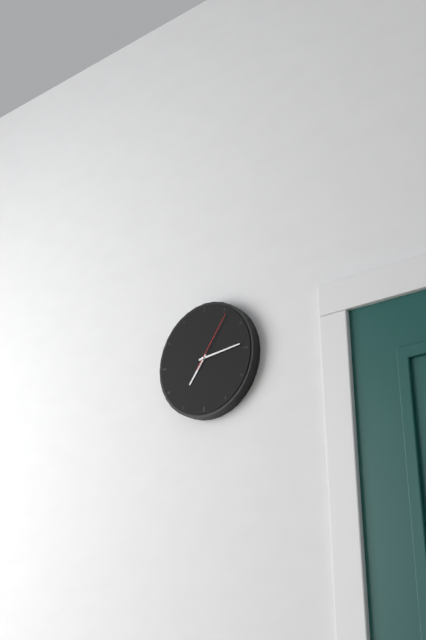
7 h 14 min 06 s
